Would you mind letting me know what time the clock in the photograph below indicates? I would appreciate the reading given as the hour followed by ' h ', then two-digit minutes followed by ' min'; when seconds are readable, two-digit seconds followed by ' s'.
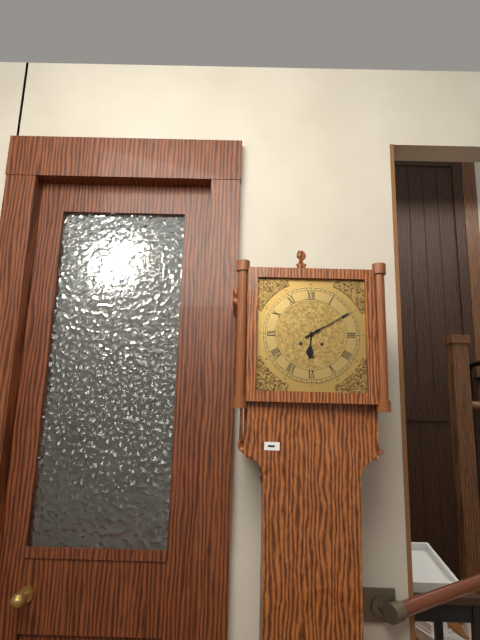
6 h 10 min
